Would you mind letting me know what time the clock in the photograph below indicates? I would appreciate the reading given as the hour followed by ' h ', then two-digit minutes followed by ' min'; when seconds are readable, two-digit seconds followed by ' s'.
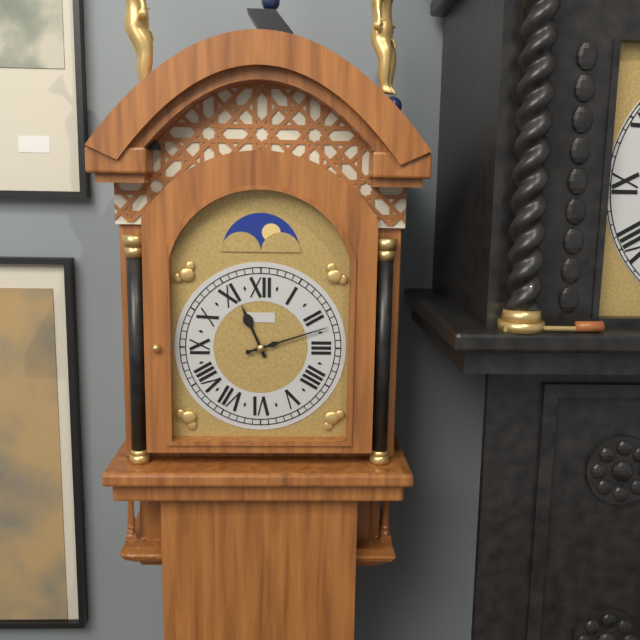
11 h 12 min
